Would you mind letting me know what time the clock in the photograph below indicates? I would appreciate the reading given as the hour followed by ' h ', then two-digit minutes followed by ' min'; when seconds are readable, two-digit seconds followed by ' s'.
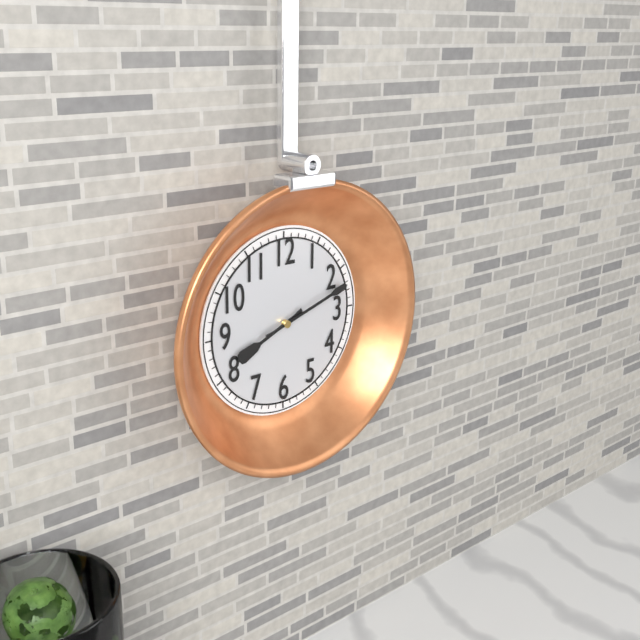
8 h 12 min
